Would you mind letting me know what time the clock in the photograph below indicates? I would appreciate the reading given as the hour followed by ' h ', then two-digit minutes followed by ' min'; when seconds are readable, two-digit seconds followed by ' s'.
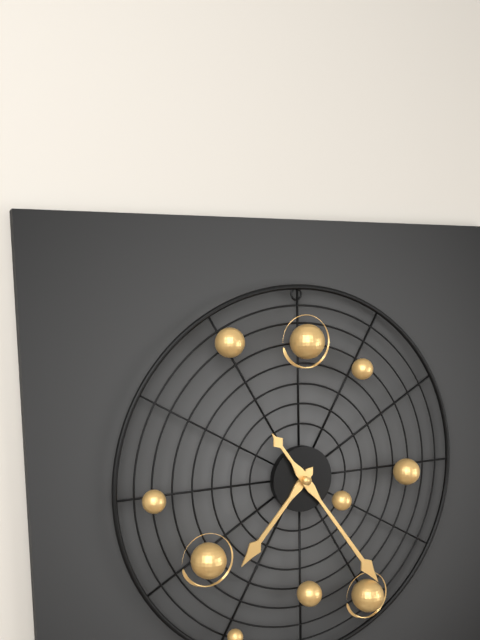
7 h 24 min
